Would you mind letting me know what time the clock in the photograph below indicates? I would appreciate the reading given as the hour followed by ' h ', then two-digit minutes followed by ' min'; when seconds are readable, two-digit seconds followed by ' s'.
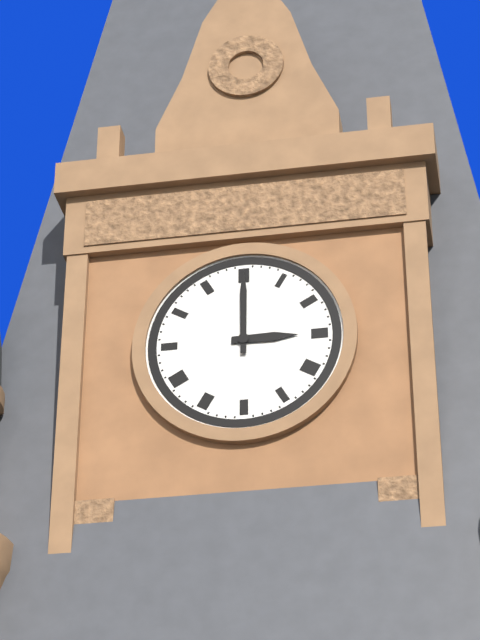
3 h 00 min
